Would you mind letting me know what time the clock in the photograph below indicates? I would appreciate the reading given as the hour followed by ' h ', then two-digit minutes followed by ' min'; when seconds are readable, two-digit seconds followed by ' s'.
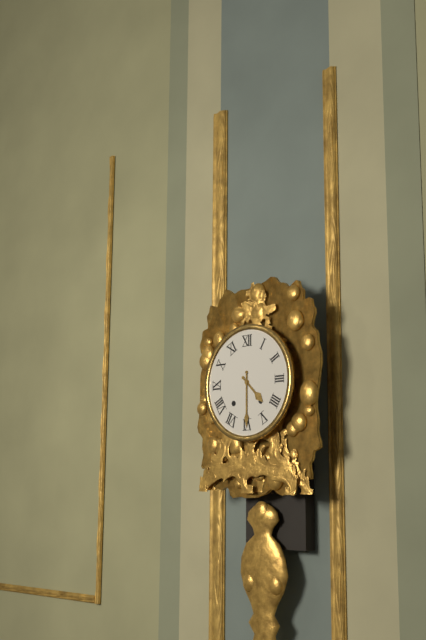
4 h 30 min
